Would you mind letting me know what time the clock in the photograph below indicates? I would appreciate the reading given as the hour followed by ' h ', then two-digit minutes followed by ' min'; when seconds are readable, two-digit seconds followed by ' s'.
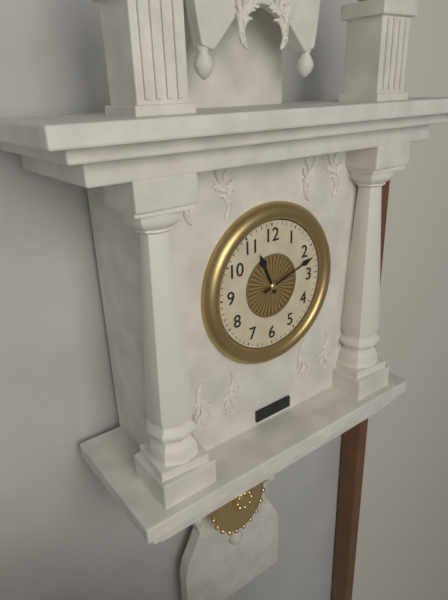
11 h 12 min
